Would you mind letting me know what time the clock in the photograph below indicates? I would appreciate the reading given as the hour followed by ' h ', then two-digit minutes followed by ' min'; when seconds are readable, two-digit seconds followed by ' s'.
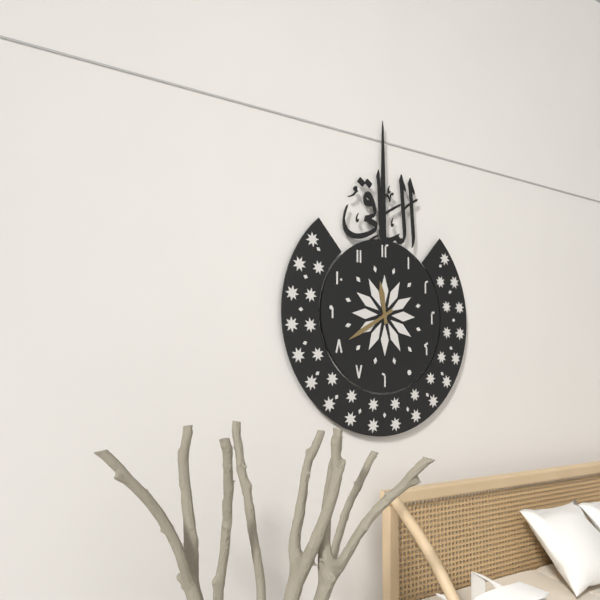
11 h 40 min
